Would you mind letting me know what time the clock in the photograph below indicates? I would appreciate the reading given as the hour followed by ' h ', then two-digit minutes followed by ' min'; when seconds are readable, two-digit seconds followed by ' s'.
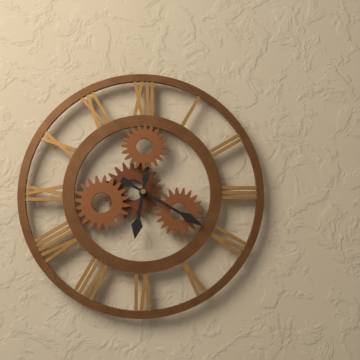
6 h 20 min
